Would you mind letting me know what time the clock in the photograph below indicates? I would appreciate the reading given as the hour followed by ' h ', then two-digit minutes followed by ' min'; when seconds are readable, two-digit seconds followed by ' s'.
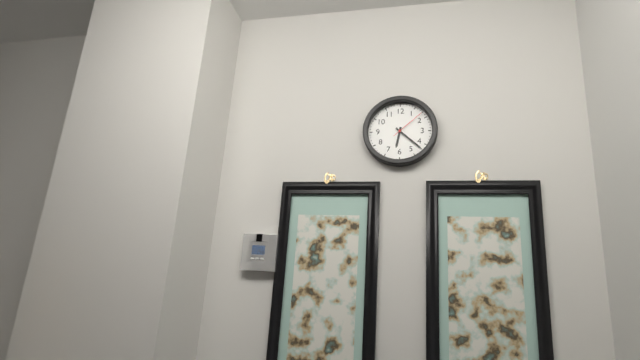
6 h 22 min
